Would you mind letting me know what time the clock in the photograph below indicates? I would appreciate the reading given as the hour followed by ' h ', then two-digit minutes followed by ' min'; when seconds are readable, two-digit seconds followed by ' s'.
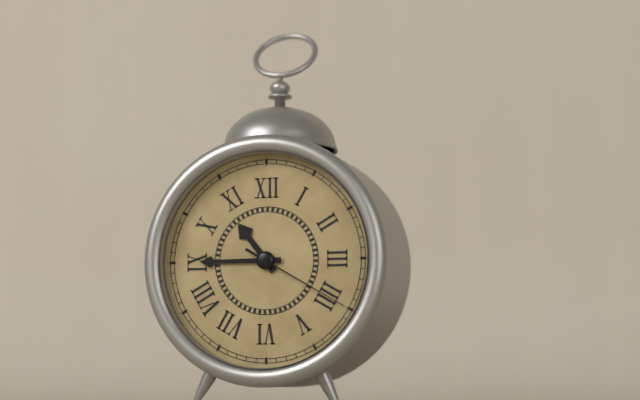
10 h 45 min 20 s
